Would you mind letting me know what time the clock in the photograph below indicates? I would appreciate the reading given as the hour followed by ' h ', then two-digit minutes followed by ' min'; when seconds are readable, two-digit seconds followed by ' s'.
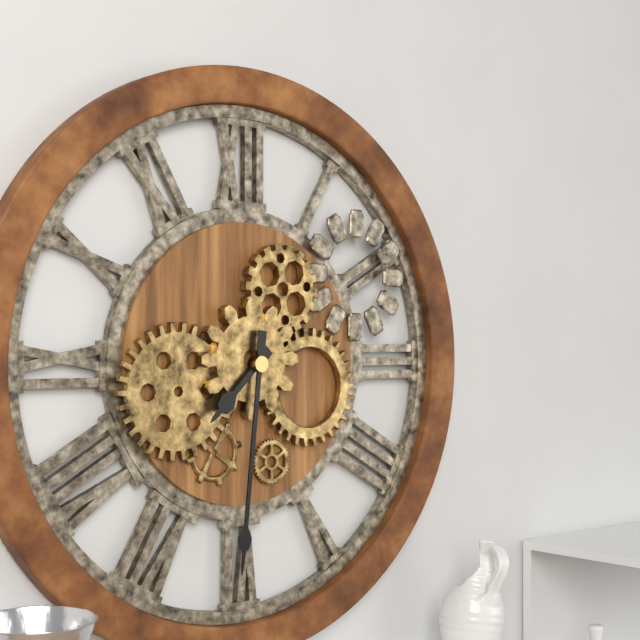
7 h 31 min
